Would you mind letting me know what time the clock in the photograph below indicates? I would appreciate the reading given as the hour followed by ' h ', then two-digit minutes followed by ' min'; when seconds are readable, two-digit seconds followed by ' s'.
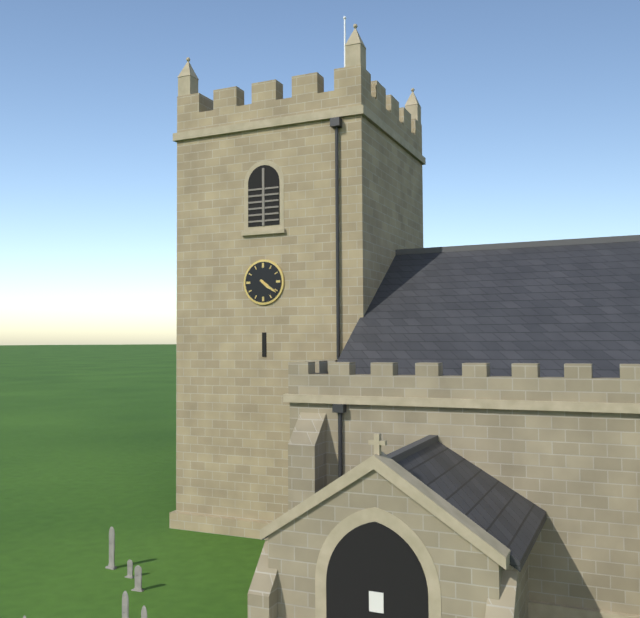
4 h 21 min
